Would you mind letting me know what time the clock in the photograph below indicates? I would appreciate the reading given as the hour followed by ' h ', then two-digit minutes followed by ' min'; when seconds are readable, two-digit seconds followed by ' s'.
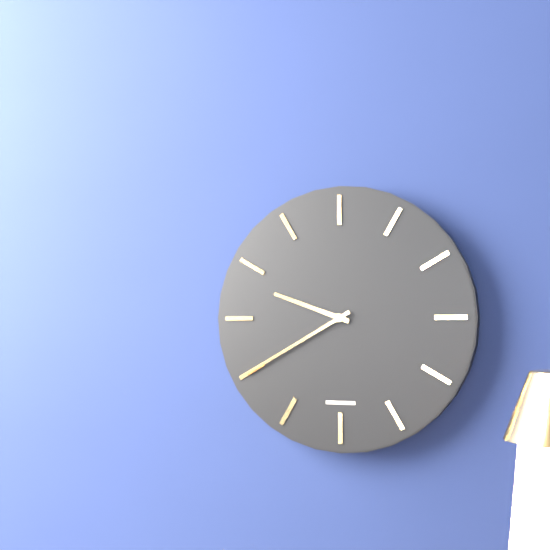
9 h 40 min
